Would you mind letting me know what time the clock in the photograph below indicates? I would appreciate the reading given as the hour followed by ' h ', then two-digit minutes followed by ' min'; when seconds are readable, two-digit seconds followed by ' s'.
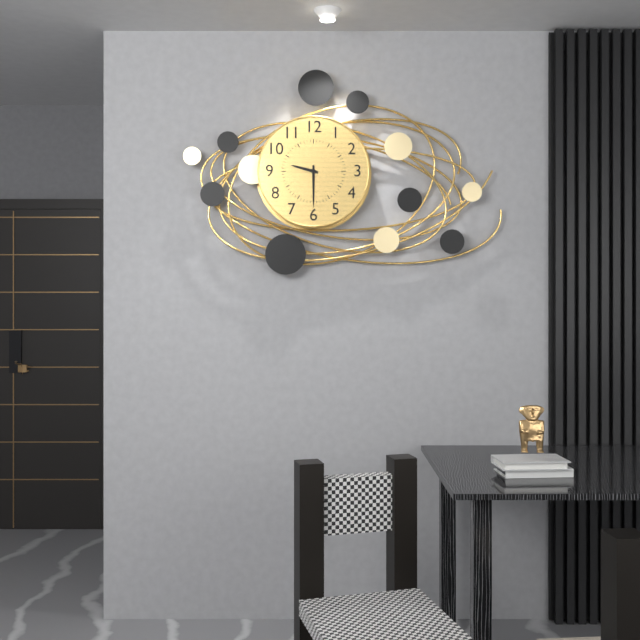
9 h 30 min
